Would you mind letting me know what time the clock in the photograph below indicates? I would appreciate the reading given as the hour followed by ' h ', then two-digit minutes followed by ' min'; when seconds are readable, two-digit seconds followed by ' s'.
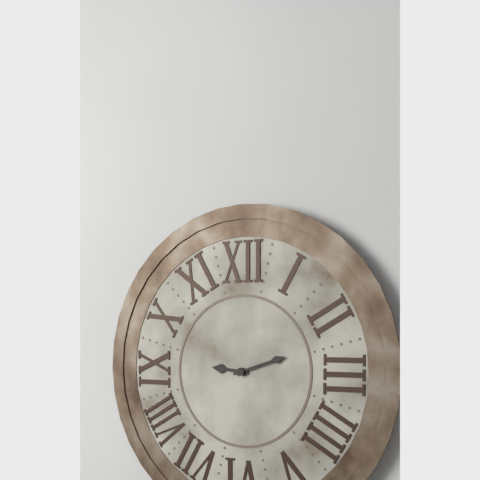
9 h 12 min
